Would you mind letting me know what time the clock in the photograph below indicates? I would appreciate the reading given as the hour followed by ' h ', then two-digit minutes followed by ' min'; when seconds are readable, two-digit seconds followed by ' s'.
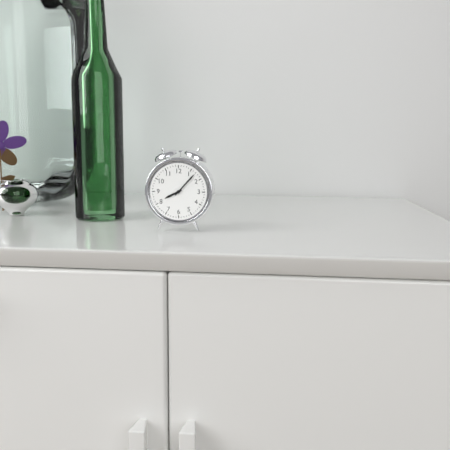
8 h 07 min
